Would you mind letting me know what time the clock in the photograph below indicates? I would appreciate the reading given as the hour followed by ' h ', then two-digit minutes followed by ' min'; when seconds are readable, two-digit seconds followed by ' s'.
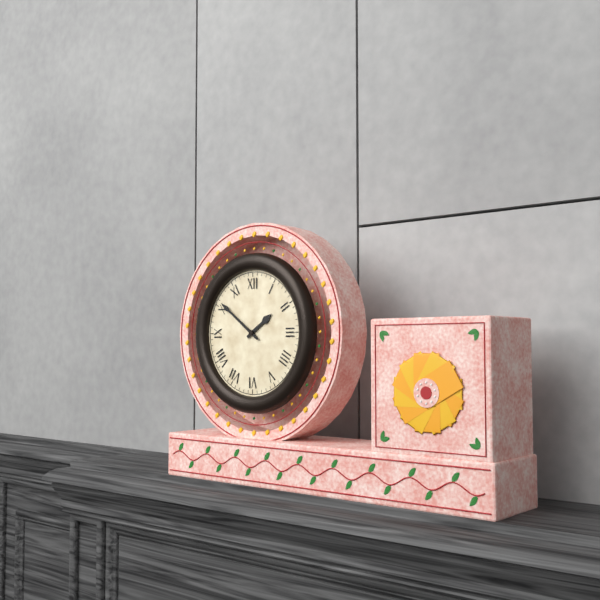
1 h 51 min
